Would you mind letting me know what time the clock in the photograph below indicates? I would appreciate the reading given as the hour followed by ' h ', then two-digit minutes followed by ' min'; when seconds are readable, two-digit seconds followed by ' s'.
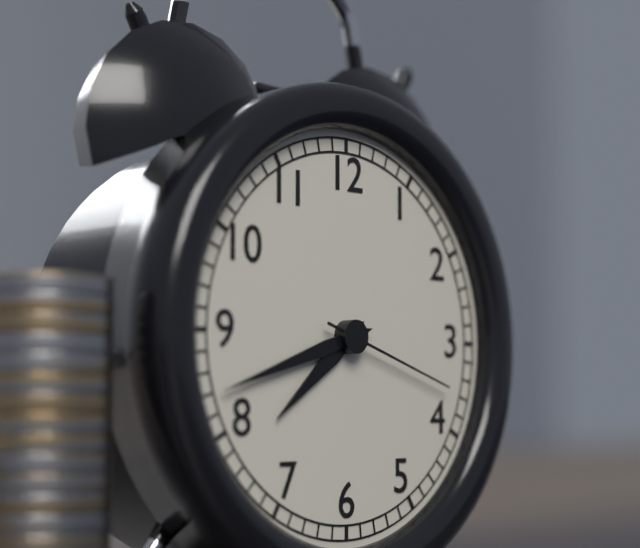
7 h 42 min 18 s
